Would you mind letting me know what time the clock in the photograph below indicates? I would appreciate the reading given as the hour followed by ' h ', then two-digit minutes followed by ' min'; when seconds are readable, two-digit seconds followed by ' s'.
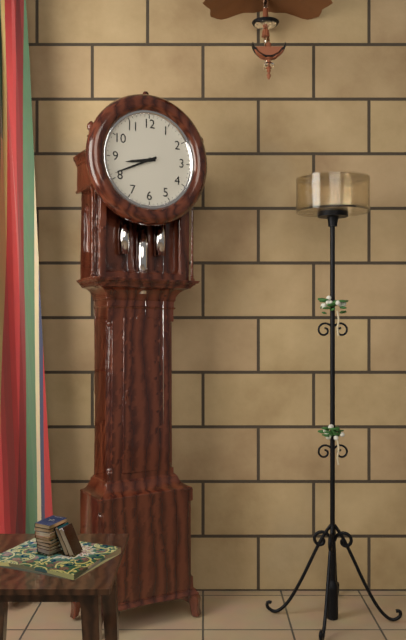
8 h 41 min
